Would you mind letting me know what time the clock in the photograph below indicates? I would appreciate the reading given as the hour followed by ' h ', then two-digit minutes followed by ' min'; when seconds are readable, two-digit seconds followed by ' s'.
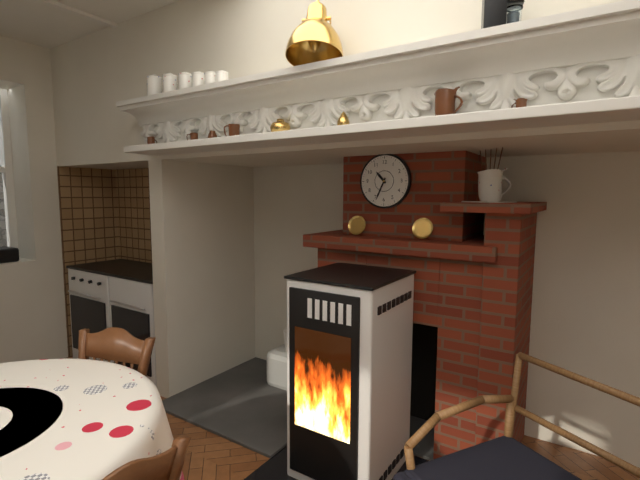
10 h 34 min
